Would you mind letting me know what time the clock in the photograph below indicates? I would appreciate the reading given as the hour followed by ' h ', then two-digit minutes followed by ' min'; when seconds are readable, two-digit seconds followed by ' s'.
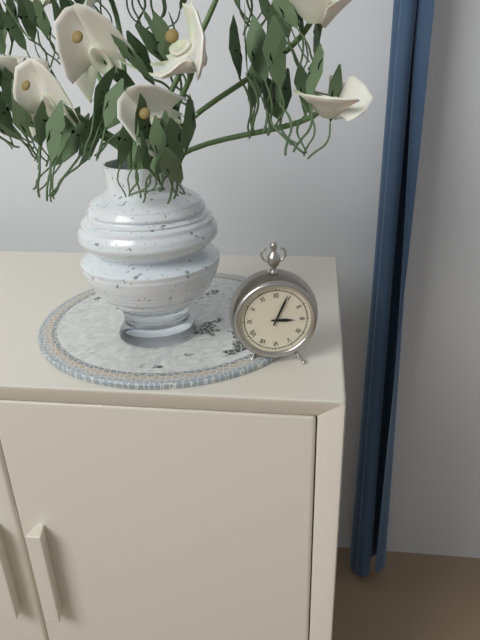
3 h 04 min
